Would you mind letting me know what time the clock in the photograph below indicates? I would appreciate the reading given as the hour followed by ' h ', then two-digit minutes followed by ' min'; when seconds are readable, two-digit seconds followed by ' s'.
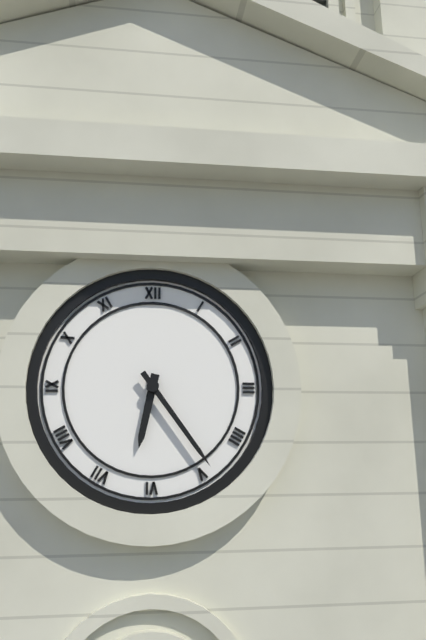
6 h 24 min
